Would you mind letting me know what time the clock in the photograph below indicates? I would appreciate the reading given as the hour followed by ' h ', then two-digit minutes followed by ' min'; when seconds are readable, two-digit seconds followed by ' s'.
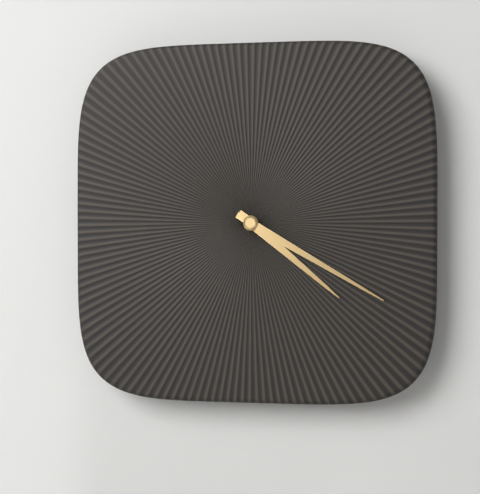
4 h 20 min
